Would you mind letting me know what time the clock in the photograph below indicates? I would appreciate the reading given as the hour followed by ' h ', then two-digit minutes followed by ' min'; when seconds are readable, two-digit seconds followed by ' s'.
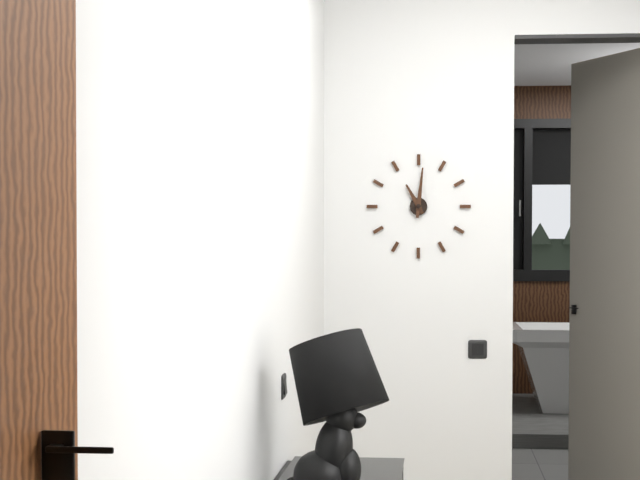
11 h 01 min
